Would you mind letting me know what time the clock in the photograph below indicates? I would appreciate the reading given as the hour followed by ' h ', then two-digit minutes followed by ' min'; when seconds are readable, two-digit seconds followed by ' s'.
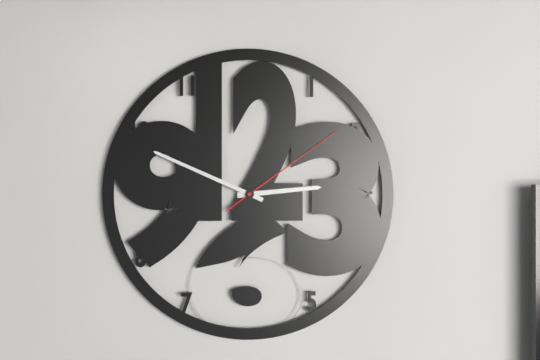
2 h 49 min 09 s
